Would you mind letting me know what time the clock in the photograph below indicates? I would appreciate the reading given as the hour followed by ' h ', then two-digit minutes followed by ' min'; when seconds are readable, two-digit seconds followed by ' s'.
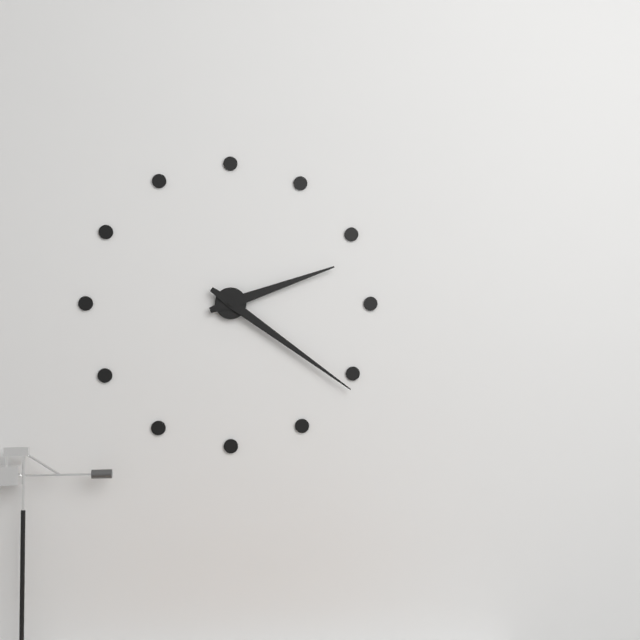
2 h 21 min
